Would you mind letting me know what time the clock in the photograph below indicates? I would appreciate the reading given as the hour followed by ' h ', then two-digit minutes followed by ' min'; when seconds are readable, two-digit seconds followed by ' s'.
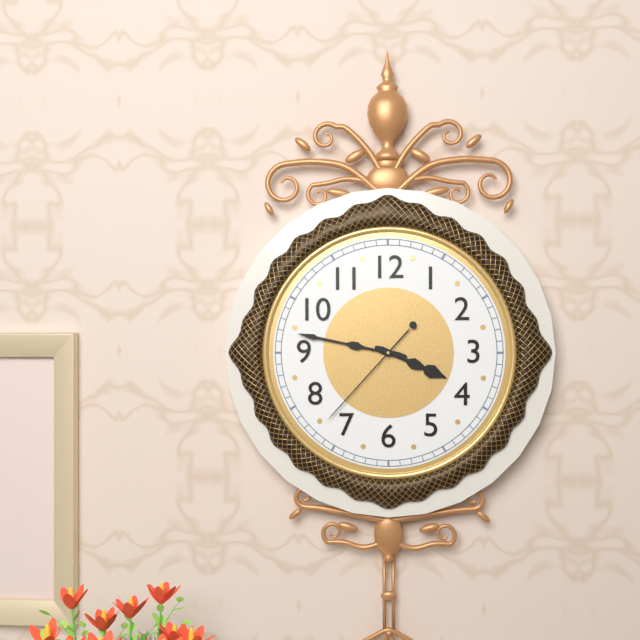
3 h 47 min 37 s
